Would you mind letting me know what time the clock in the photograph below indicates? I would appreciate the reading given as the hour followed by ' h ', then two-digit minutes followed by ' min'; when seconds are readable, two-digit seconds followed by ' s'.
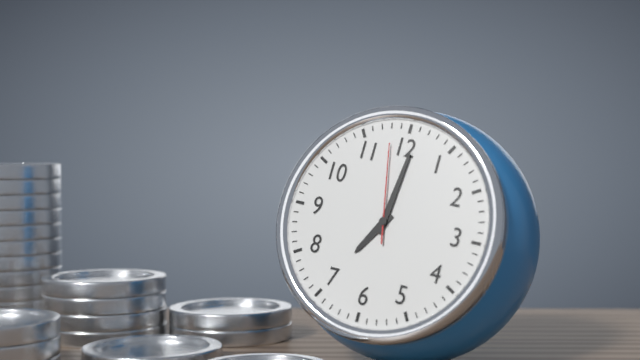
7 h 01 min 58 s
